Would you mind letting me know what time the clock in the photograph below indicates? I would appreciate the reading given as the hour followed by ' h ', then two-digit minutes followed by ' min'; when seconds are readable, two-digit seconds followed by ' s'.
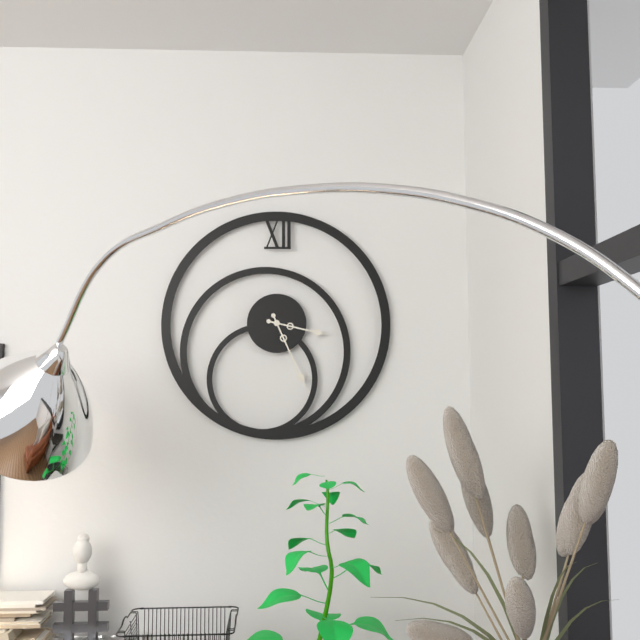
3 h 26 min
